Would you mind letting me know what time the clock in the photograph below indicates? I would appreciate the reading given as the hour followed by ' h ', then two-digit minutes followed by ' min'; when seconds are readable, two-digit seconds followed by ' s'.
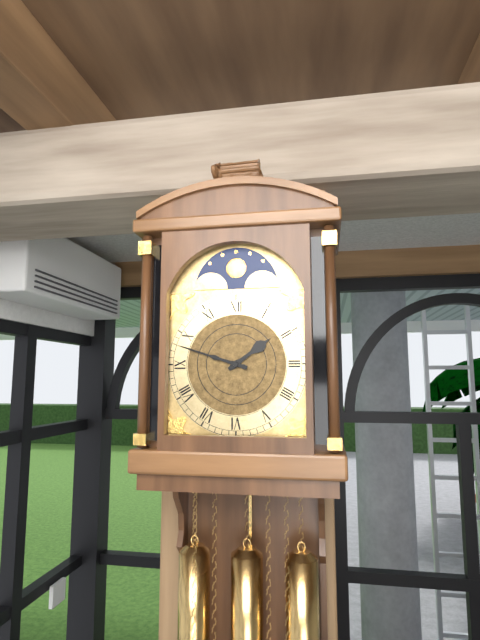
1 h 48 min
